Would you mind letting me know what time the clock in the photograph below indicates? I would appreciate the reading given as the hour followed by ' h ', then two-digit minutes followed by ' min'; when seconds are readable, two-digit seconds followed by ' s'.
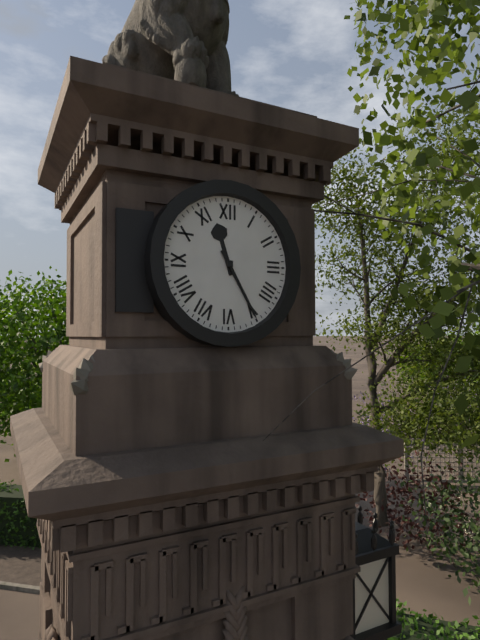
11 h 25 min
